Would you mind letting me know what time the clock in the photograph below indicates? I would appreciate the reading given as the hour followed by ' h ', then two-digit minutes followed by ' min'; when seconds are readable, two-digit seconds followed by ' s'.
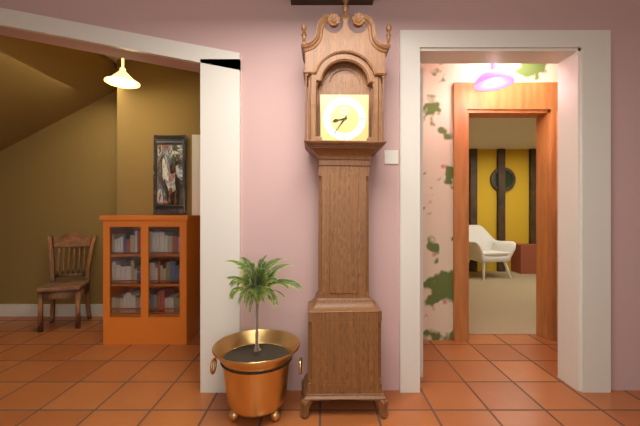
8 h 36 min
